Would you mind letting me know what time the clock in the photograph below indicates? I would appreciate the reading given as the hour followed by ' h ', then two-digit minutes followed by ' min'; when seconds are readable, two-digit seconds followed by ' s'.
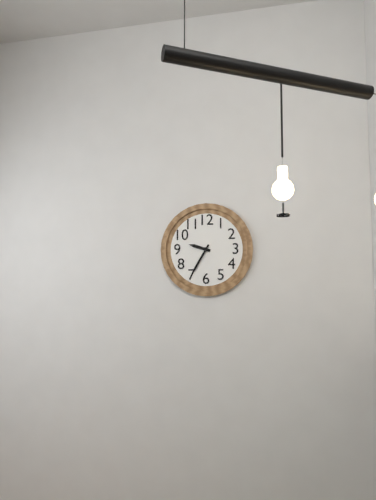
9 h 35 min
